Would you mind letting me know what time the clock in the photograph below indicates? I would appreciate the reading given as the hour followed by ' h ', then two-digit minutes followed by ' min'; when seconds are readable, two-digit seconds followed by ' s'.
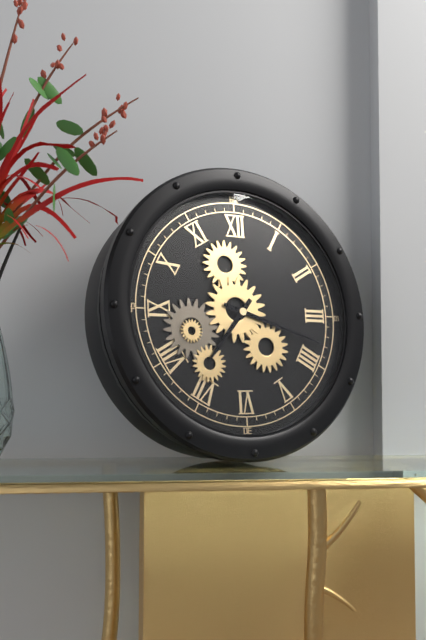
7 h 18 min
